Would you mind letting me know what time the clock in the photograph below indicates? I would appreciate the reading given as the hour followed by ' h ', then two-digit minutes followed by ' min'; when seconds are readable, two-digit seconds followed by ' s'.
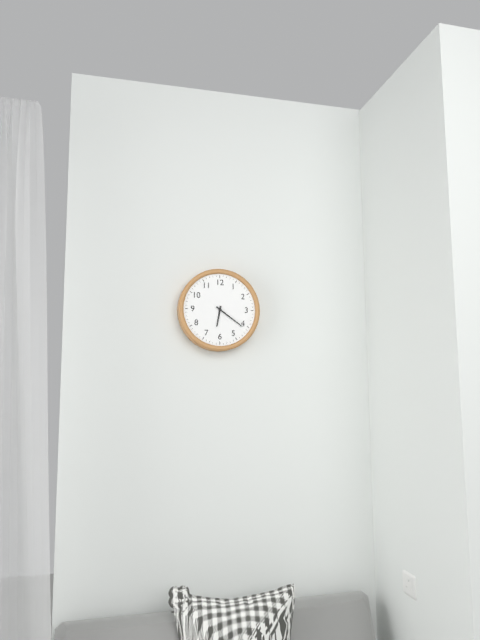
6 h 21 min
